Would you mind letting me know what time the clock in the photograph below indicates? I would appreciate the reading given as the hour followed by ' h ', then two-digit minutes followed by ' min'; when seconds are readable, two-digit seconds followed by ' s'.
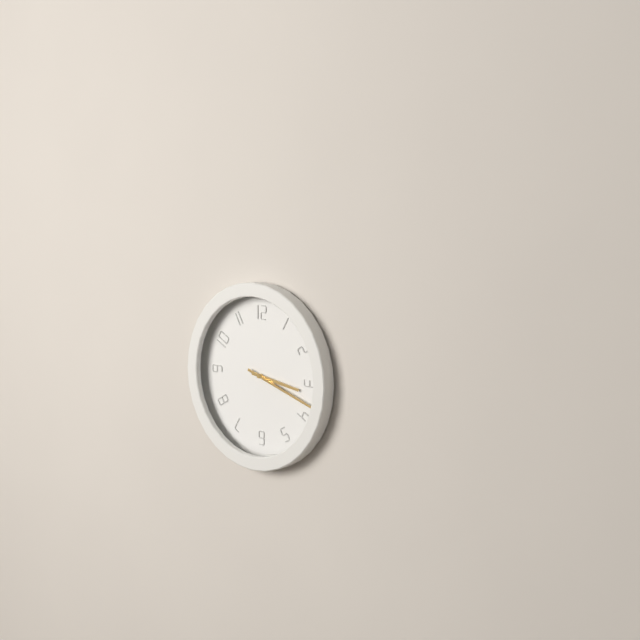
3 h 18 min
